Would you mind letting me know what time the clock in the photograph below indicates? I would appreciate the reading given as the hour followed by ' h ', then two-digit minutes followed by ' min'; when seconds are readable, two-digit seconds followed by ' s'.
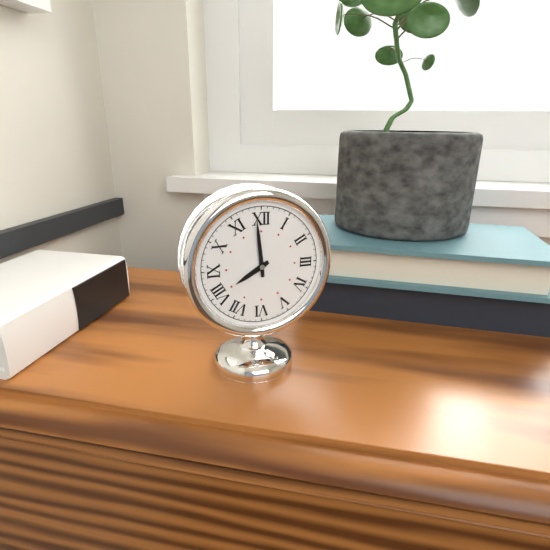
7 h 59 min
